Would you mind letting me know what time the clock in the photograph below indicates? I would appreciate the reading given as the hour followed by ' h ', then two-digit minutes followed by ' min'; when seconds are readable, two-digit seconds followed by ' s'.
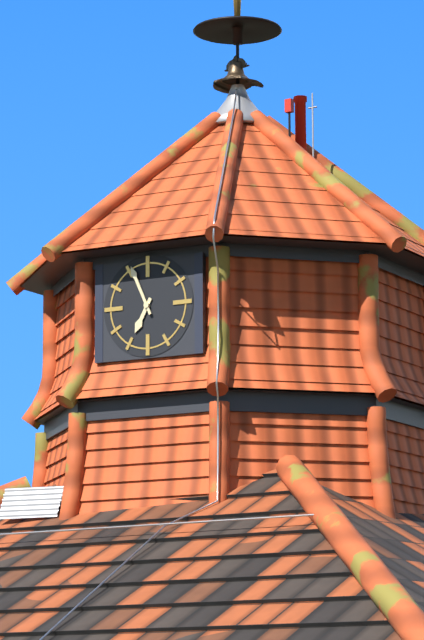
6 h 56 min
